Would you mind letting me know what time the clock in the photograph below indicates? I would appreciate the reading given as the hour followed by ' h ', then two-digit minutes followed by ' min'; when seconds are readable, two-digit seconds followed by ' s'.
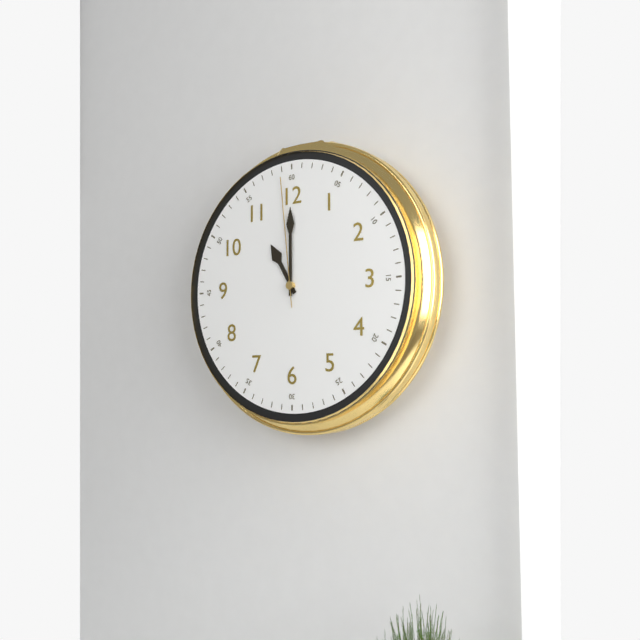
11 h 00 min 59 s
